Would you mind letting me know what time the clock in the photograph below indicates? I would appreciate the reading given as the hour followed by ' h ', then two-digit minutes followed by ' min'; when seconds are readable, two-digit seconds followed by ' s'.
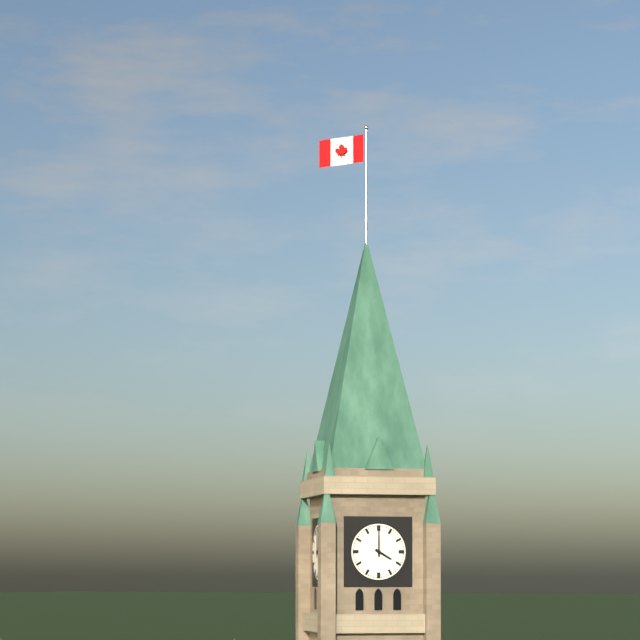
4 h 00 min
